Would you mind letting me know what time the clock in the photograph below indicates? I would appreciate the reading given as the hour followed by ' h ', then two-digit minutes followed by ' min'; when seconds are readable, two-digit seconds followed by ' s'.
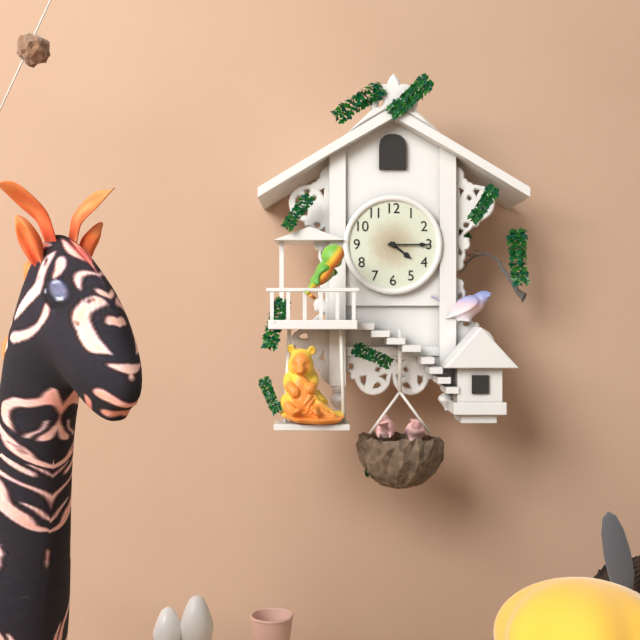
4 h 15 min
